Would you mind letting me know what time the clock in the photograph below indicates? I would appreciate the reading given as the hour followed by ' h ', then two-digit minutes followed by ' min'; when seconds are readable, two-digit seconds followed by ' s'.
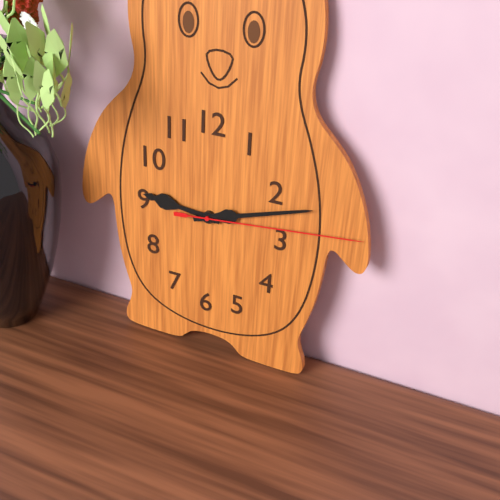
9 h 12 min 14 s
